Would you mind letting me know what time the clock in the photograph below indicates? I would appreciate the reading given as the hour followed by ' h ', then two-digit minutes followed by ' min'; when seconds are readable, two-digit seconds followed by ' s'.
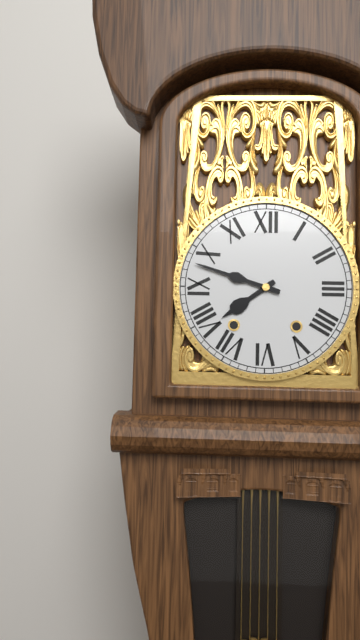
7 h 48 min
